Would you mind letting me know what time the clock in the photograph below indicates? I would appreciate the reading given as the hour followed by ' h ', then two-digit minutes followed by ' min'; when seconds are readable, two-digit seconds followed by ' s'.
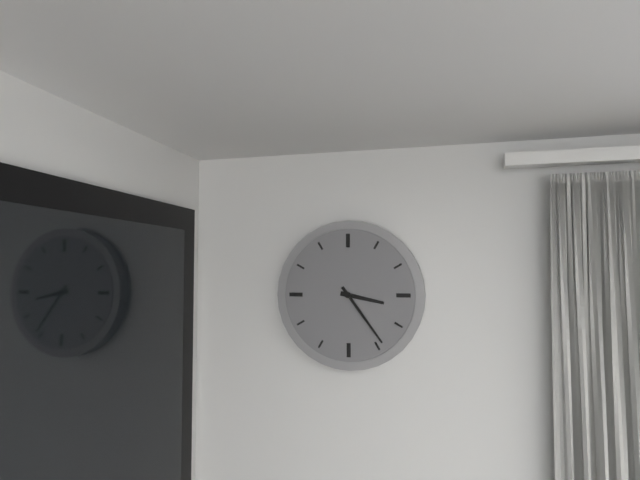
3 h 24 min
